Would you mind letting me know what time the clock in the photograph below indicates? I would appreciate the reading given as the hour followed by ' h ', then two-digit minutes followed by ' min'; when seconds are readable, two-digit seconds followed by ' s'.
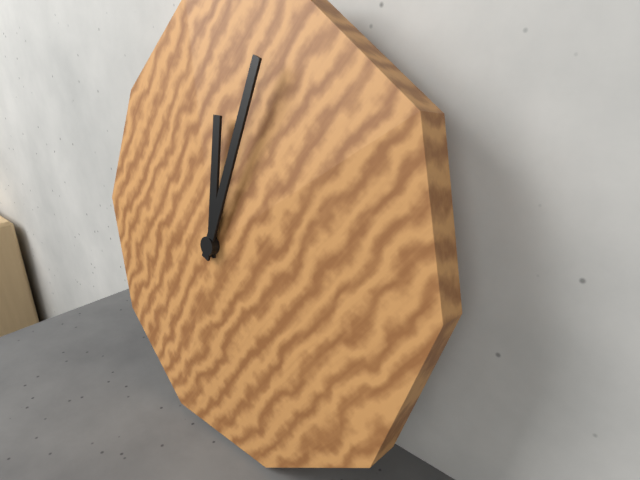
12 h 03 min
